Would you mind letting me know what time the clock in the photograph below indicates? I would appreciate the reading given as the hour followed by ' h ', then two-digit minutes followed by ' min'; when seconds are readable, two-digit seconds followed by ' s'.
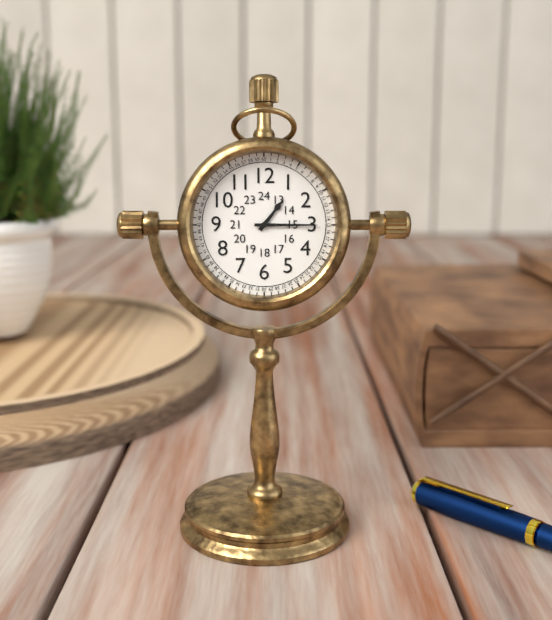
1 h 15 min
